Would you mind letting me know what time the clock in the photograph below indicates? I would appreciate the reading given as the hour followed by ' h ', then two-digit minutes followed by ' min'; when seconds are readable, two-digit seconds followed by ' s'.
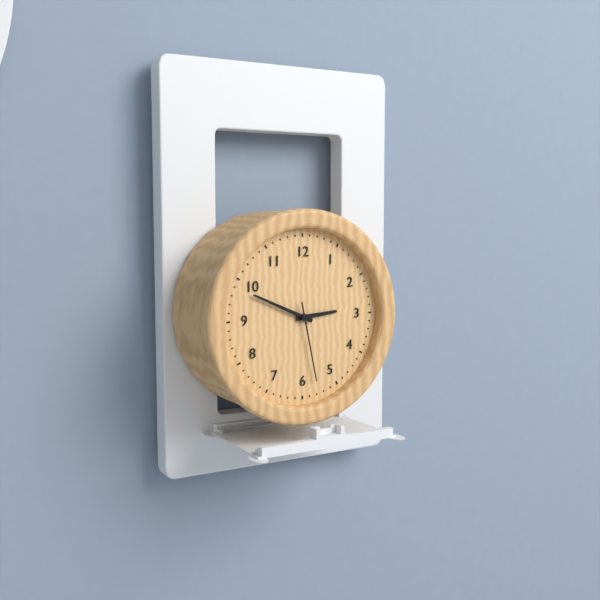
2 h 49 min 28 s
